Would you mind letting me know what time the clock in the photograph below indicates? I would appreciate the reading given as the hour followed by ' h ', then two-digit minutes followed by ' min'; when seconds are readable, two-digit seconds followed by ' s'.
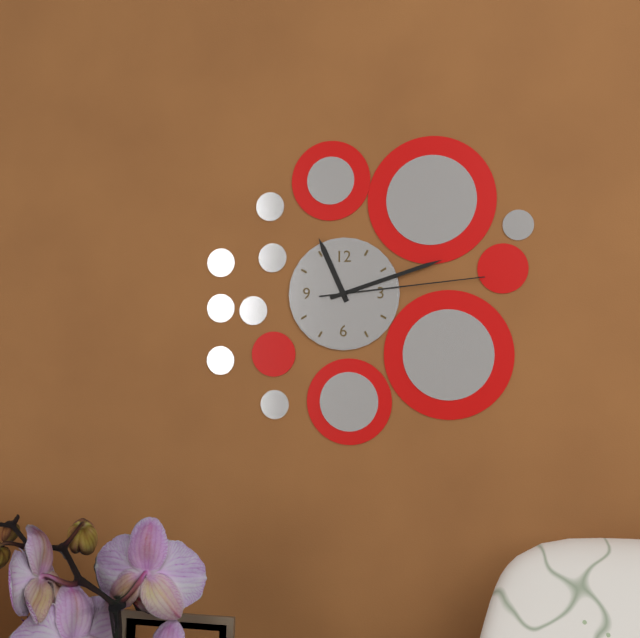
11 h 12 min 14 s
